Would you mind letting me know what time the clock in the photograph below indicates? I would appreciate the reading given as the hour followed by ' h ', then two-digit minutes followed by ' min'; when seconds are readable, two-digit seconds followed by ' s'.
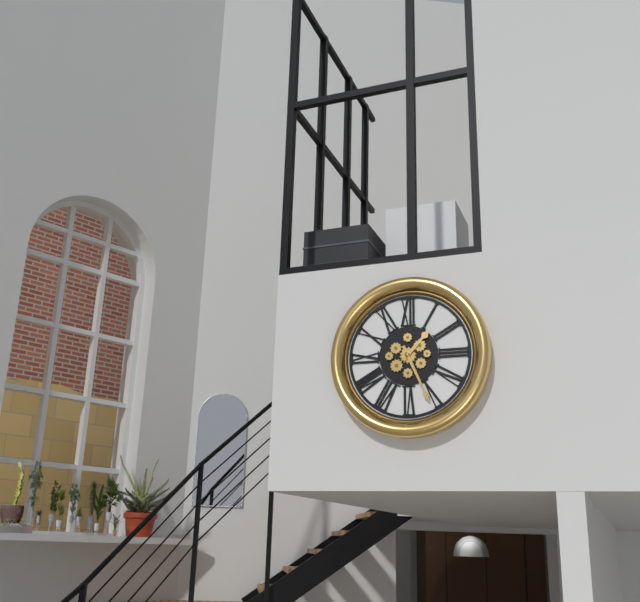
1 h 26 min
